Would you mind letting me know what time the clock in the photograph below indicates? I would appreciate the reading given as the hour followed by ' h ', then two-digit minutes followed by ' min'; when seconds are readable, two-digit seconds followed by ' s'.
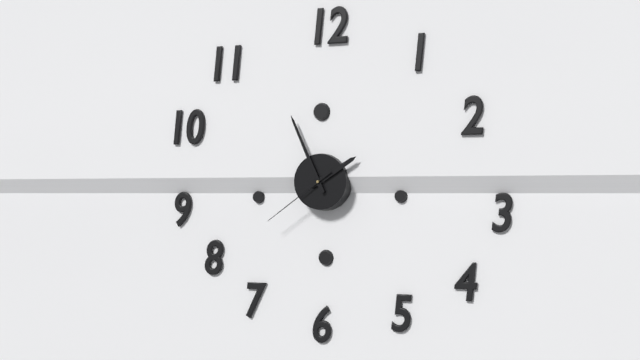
1 h 56 min 39 s
